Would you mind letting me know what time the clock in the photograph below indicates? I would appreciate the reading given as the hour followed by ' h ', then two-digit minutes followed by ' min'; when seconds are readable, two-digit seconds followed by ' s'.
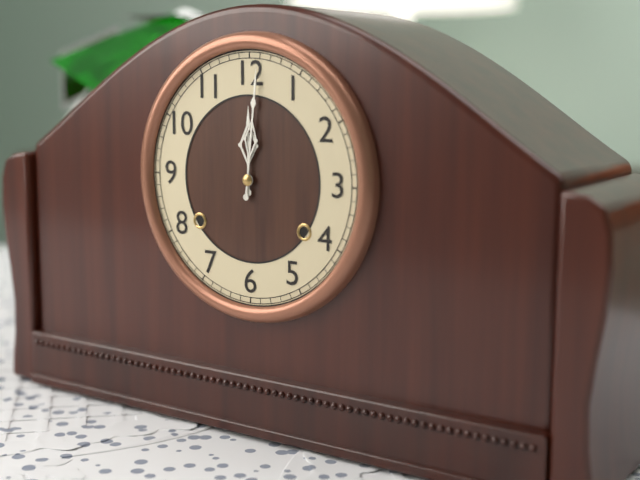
12 h 01 min
